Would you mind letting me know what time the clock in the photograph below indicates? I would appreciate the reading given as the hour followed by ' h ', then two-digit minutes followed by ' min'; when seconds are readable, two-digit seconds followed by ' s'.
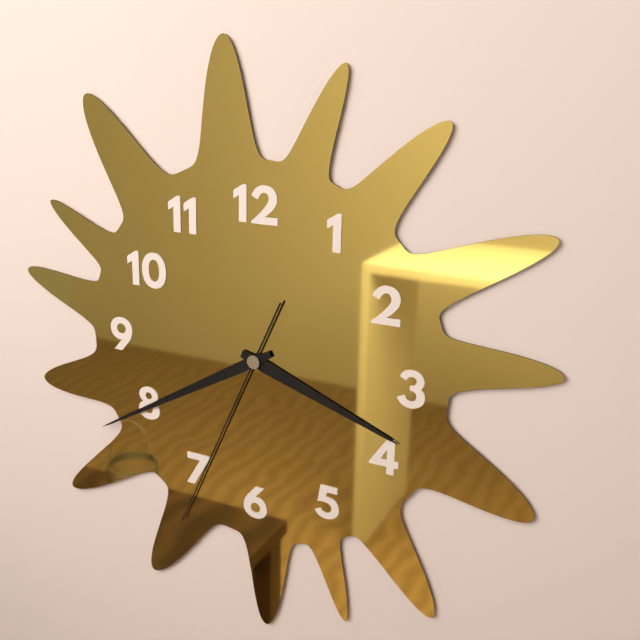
3 h 40 min 34 s
